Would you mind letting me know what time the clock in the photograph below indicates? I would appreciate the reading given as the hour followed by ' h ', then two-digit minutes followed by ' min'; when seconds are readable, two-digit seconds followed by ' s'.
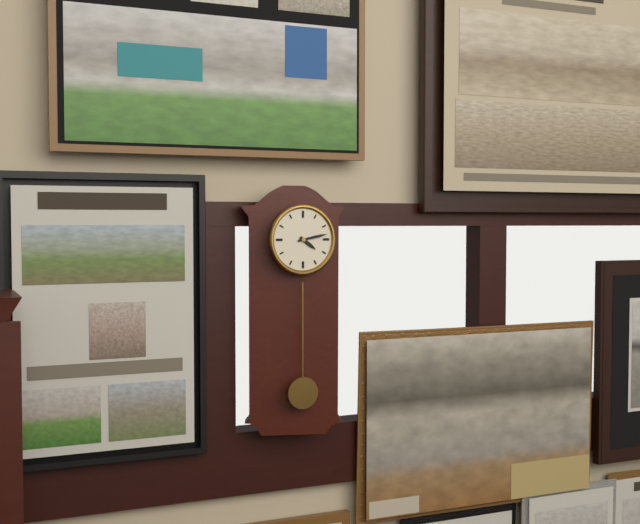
4 h 13 min
